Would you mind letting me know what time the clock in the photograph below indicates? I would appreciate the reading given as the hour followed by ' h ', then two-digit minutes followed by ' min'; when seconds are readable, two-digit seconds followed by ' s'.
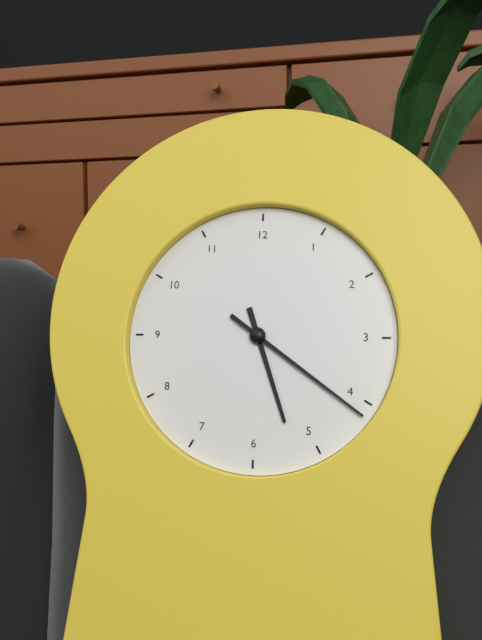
5 h 21 min
